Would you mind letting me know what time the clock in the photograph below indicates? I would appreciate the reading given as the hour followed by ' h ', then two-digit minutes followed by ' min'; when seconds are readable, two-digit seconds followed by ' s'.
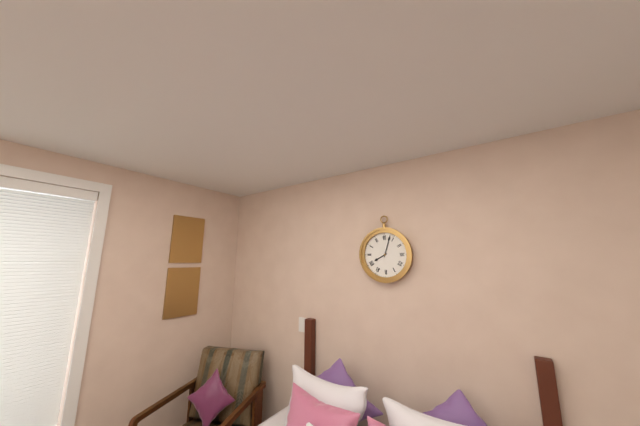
8 h 03 min
